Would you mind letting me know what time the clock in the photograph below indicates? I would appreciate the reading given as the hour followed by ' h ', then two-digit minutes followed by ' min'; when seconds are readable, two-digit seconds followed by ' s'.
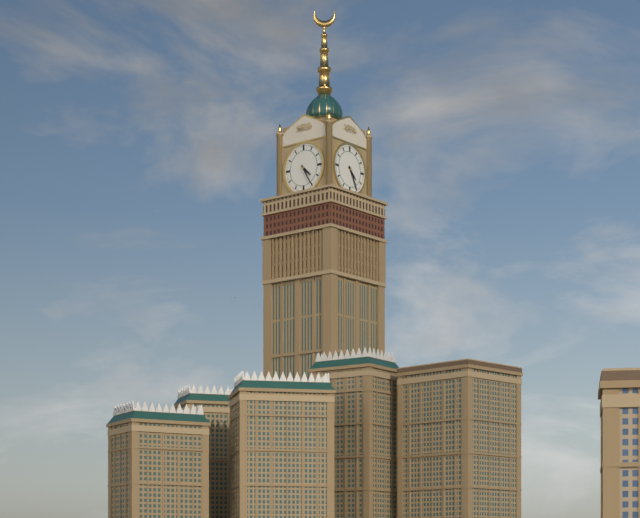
4 h 25 min
